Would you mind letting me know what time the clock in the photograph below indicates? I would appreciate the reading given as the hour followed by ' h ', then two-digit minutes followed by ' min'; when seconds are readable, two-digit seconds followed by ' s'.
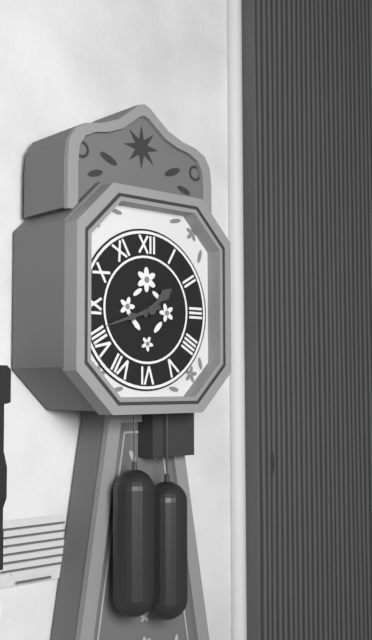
1 h 42 min
